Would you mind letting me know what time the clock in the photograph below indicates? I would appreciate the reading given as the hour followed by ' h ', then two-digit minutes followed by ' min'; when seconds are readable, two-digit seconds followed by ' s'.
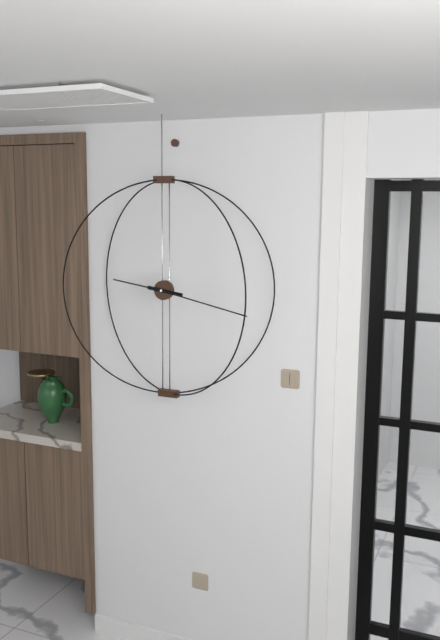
9 h 17 min
